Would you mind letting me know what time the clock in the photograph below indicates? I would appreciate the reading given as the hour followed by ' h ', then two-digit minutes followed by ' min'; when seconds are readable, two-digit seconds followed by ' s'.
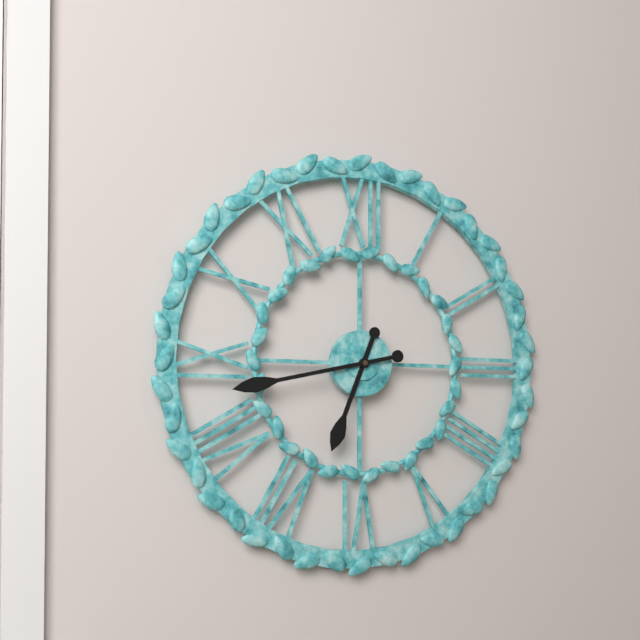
6 h 43 min
